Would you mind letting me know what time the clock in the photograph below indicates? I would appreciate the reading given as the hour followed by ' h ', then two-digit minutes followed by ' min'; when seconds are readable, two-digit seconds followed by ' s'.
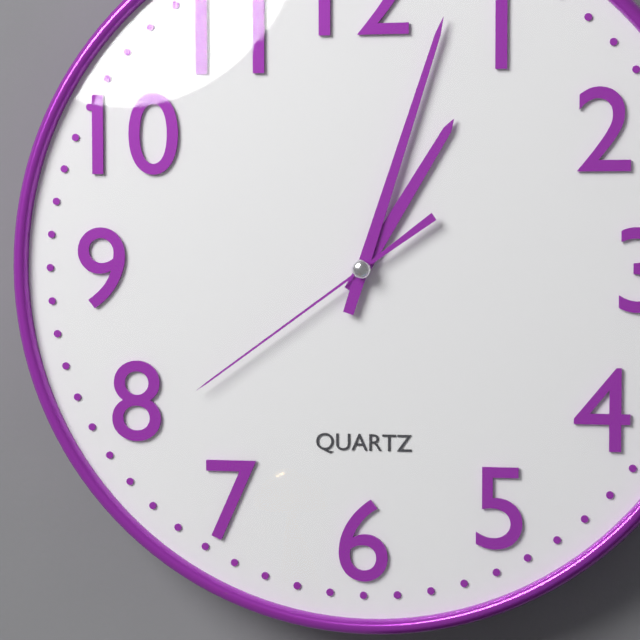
1 h 03 min 39 s
